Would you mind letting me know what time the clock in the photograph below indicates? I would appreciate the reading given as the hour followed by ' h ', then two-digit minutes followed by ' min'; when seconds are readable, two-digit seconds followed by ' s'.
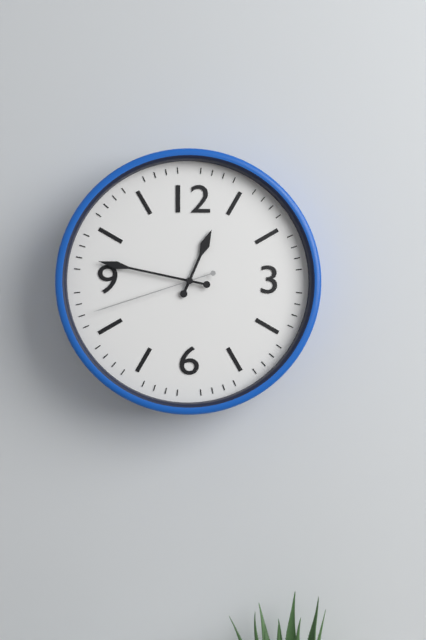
12 h 47 min 42 s
